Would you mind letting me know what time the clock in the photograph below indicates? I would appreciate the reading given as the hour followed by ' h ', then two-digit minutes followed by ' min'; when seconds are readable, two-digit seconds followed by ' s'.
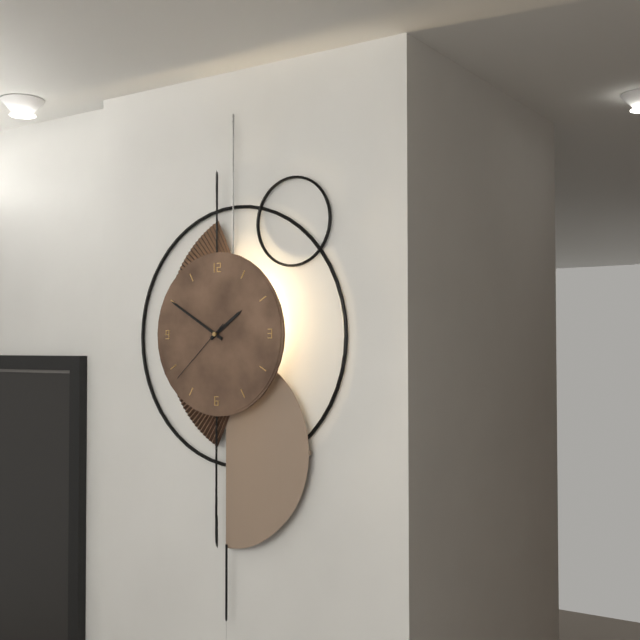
1 h 50 min 38 s
